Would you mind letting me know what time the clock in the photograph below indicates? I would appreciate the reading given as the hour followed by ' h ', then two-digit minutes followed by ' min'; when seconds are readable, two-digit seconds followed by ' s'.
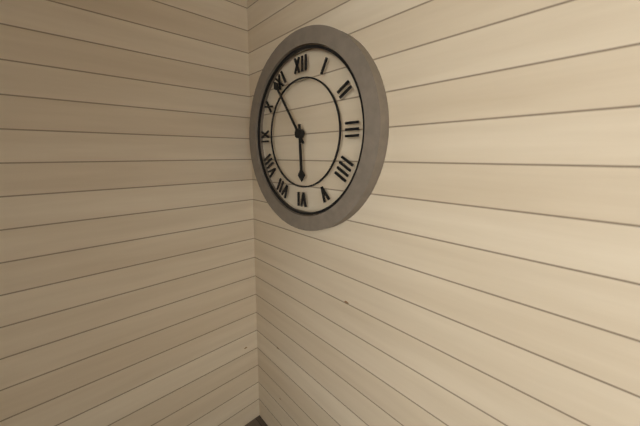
5 h 54 min
